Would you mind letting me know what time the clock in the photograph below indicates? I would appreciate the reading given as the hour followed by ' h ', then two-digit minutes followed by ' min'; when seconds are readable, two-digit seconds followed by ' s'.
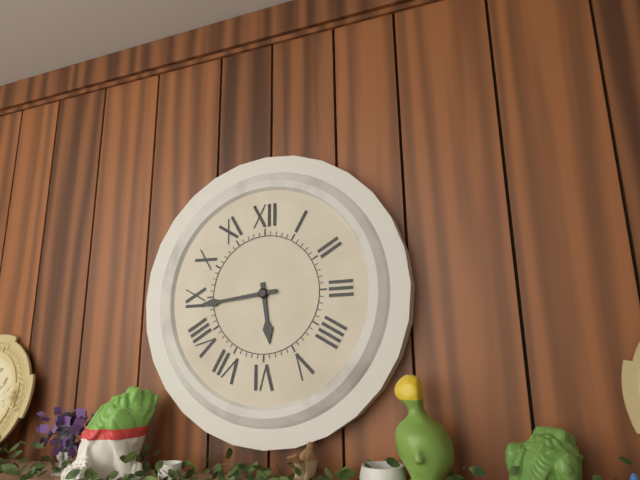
5 h 44 min
